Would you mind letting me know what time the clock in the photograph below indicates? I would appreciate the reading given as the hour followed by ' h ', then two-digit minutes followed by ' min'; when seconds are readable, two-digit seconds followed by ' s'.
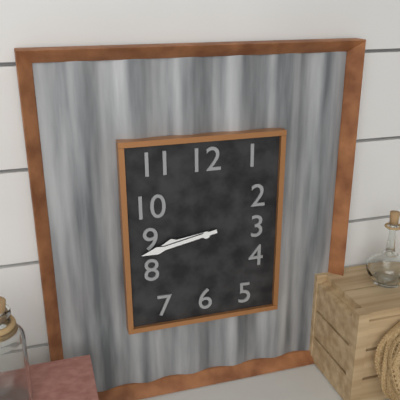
8 h 43 min
